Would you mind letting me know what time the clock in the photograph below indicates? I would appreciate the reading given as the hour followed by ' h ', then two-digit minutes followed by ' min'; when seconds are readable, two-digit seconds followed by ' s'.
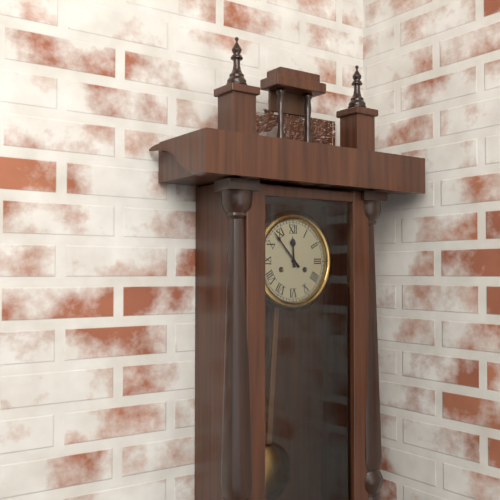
11 h 53 min
